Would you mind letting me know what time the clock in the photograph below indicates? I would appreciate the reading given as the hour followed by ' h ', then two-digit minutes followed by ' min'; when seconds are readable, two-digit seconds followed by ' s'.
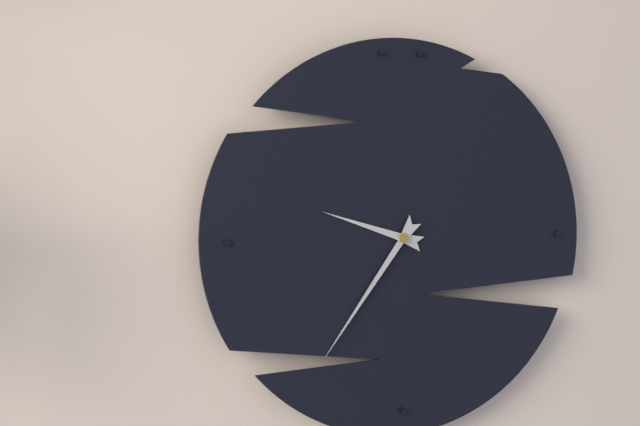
9 h 36 min
